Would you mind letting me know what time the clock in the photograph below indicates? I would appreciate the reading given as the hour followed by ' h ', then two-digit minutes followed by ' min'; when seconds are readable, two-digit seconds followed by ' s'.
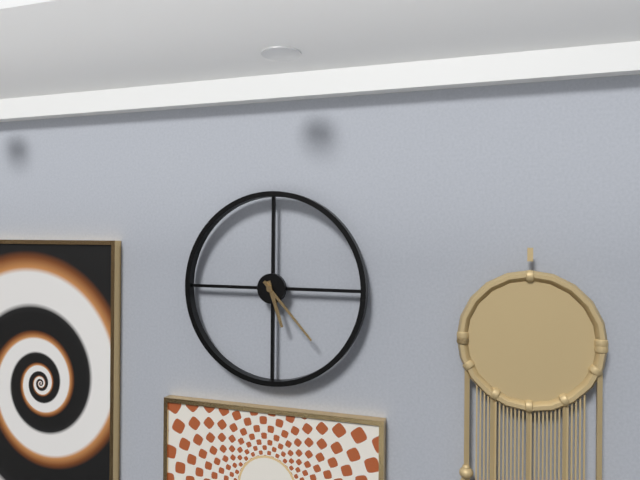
5 h 23 min
